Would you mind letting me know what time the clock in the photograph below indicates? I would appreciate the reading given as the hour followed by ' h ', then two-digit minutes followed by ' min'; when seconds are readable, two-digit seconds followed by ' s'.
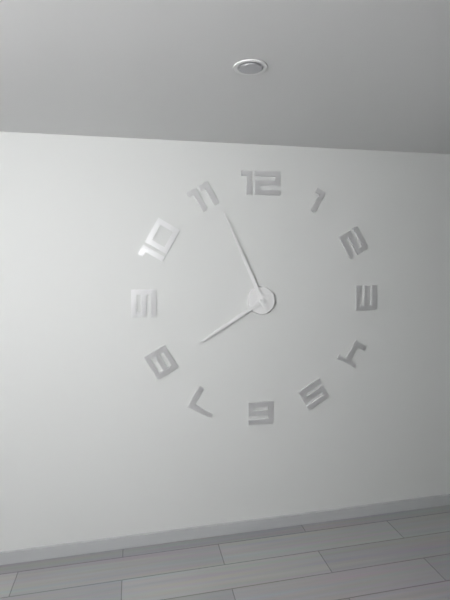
7 h 56 min
